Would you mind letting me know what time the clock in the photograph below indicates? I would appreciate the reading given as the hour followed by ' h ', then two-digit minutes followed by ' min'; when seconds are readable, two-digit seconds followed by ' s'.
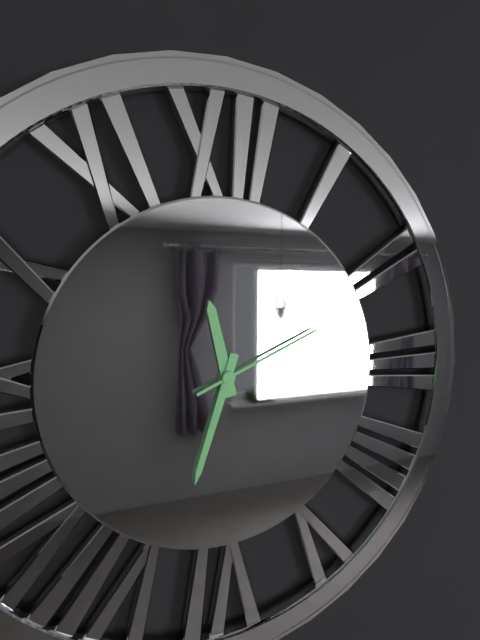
11 h 33 min 11 s
